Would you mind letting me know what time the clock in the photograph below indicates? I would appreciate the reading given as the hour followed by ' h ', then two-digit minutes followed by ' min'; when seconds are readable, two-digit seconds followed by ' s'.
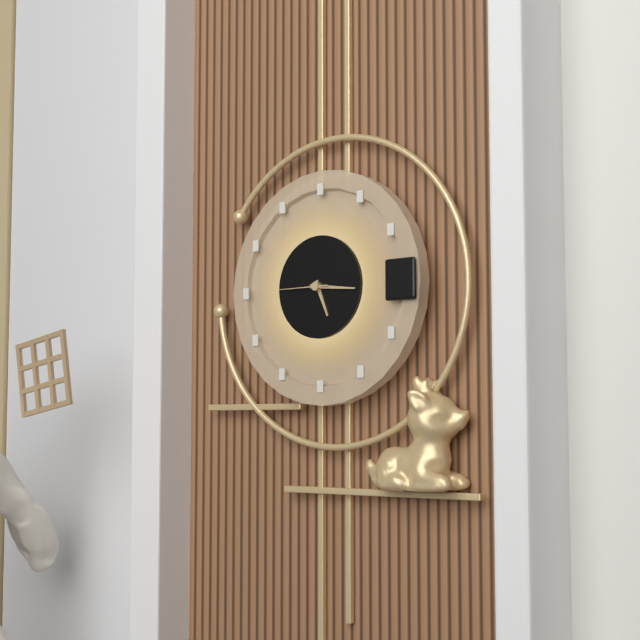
5 h 16 min
